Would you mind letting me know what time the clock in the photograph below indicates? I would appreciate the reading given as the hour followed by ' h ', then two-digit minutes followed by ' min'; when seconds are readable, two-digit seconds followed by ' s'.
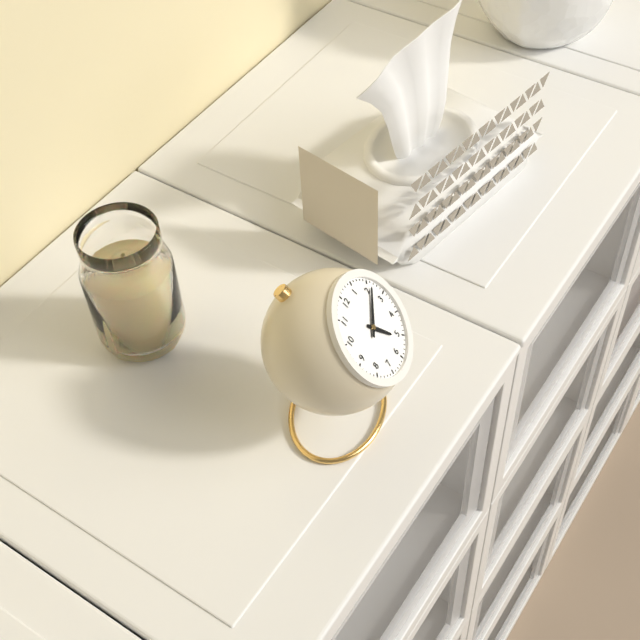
5 h 11 min
